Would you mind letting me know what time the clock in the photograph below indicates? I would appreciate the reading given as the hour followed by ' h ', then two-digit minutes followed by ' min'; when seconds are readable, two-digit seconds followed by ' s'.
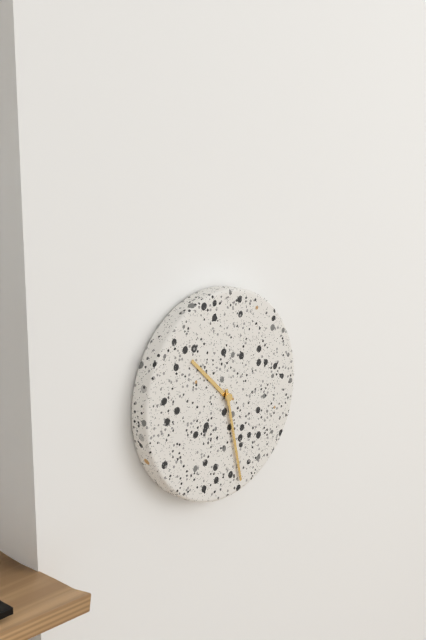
10 h 28 min
